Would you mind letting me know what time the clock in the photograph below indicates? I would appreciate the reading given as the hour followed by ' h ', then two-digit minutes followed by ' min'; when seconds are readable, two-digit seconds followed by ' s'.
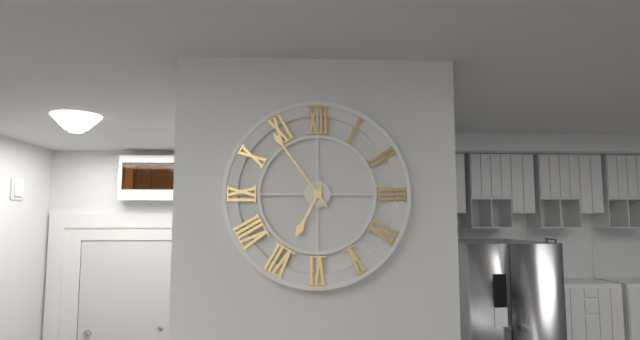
6 h 54 min
